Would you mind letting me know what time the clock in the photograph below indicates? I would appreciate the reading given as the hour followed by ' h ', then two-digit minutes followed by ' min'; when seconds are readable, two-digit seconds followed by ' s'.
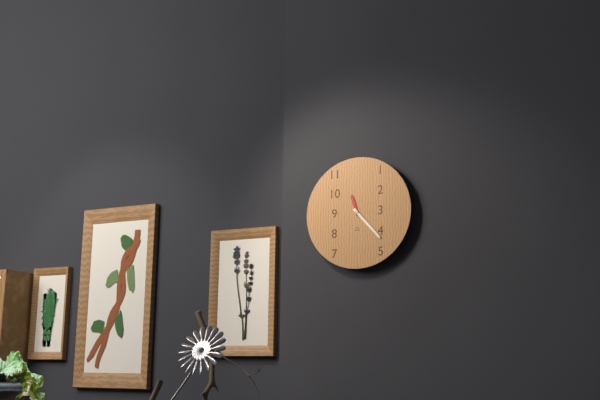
11 h 23 min
